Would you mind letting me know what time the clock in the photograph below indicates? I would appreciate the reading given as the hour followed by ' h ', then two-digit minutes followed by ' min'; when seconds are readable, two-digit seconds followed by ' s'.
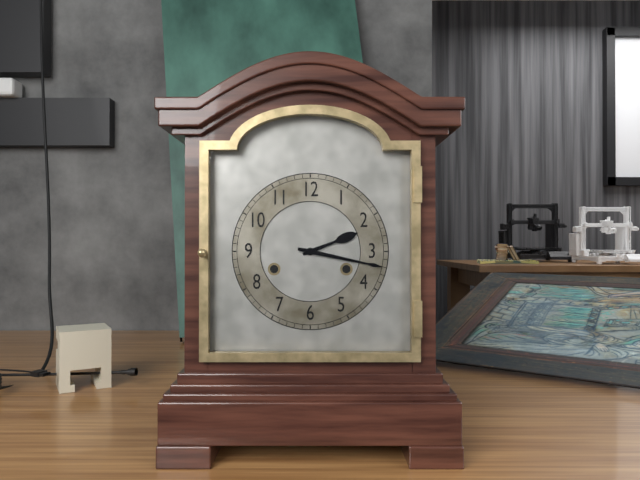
2 h 17 min
